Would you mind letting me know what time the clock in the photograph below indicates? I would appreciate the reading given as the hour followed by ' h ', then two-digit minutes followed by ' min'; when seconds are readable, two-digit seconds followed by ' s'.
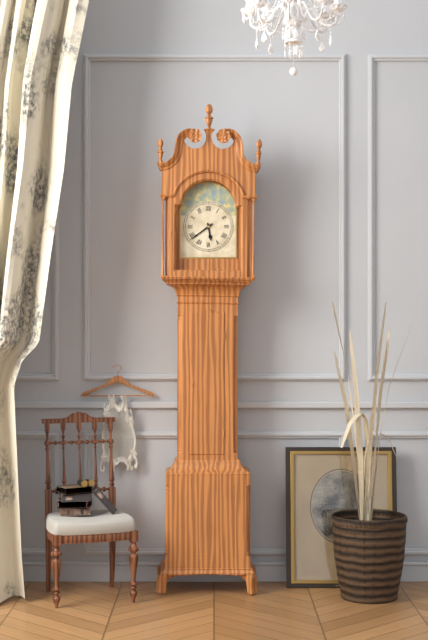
5 h 39 min
